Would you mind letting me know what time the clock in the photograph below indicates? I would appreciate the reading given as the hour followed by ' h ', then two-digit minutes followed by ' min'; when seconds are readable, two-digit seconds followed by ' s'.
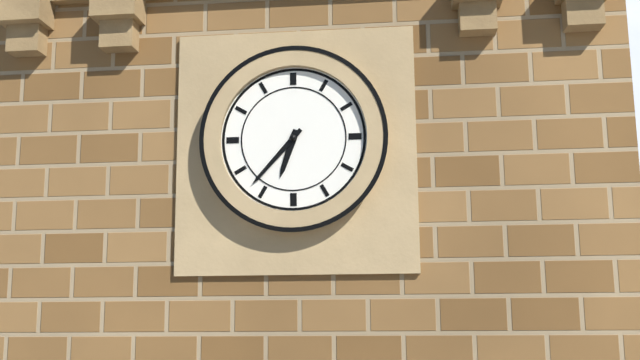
6 h 37 min
